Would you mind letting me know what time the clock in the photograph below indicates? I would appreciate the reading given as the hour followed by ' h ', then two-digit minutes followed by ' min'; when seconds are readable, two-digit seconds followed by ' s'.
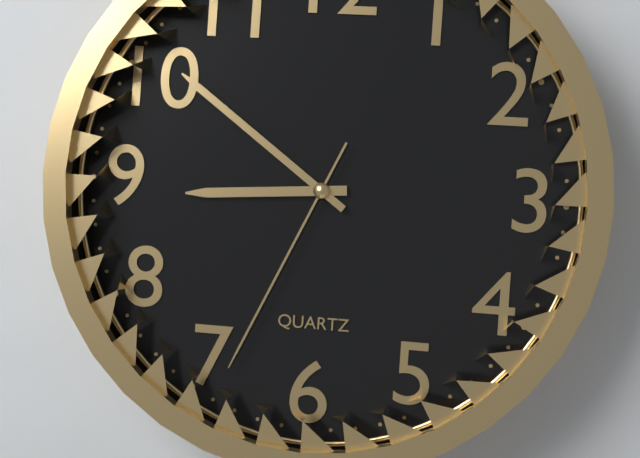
8 h 51 min 34 s
